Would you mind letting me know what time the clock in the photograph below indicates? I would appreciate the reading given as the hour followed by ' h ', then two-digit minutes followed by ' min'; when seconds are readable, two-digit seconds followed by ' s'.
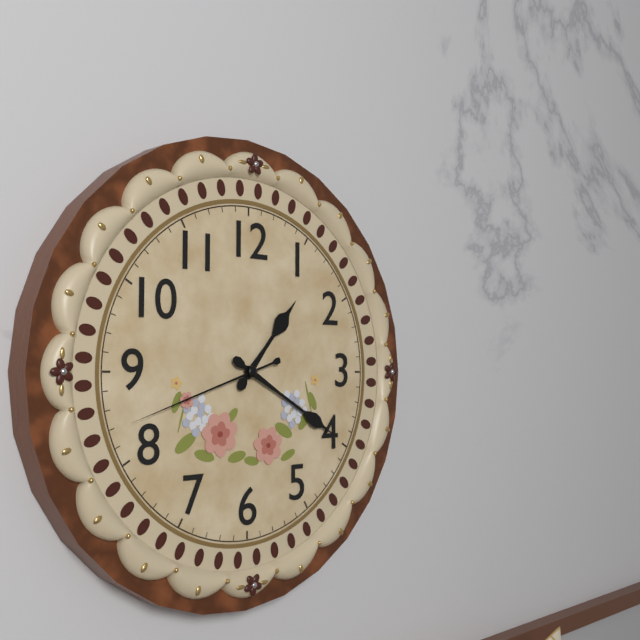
1 h 20 min 42 s
